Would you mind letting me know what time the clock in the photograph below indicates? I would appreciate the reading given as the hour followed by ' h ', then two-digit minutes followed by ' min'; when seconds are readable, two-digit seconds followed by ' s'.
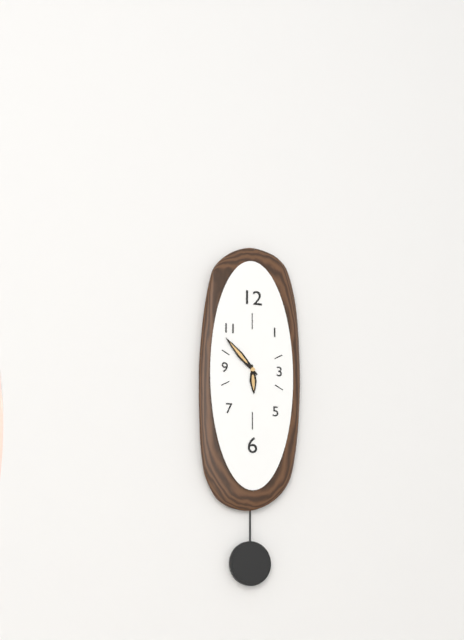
5 h 53 min
